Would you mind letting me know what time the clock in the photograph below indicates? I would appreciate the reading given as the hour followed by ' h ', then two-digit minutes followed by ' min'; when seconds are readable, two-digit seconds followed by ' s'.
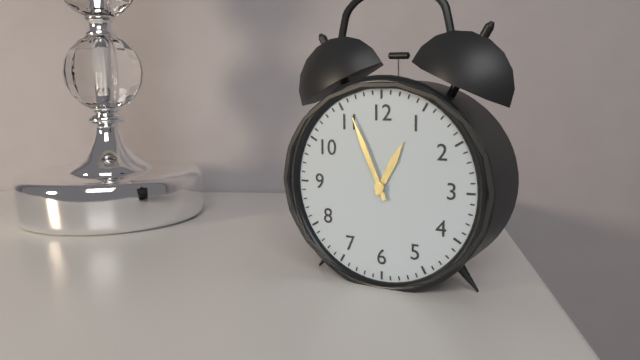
12 h 56 min
